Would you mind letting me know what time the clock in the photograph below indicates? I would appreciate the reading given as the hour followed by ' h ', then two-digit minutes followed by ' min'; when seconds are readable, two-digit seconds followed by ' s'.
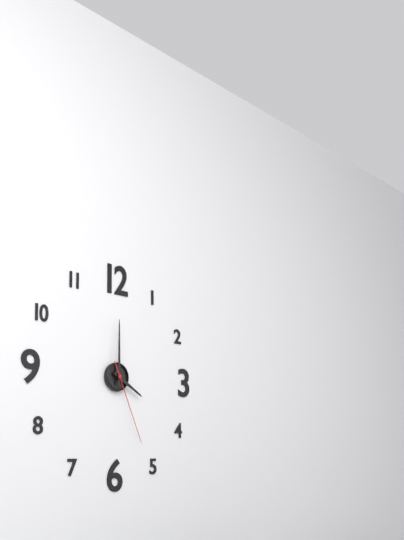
4 h 00 min 26 s
